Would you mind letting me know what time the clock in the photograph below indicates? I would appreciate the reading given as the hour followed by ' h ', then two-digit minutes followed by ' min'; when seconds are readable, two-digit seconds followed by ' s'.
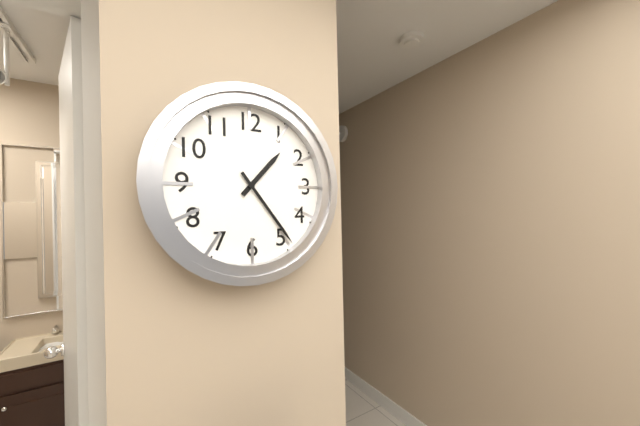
1 h 24 min
